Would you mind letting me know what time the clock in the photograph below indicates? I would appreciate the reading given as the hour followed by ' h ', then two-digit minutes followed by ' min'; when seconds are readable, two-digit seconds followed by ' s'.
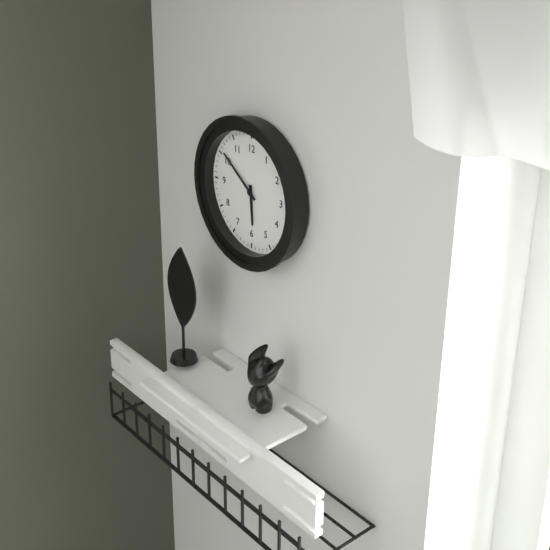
5 h 51 min
